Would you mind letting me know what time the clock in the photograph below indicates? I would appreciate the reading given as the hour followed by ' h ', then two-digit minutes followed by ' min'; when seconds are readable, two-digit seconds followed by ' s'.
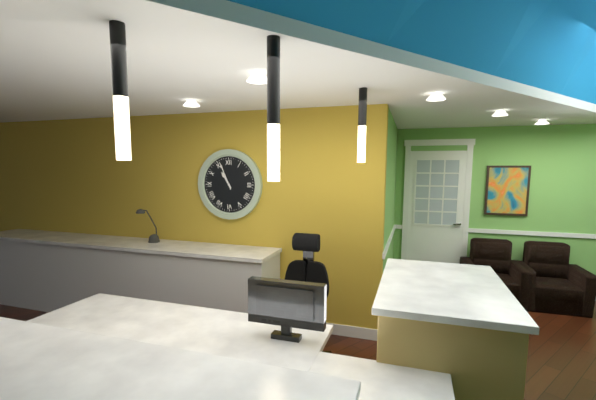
10 h 56 min
